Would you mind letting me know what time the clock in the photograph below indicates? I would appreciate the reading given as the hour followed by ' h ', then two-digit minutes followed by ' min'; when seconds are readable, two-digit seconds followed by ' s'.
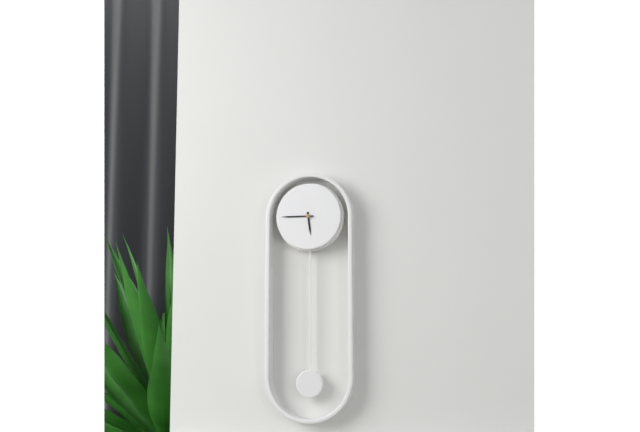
5 h 45 min
